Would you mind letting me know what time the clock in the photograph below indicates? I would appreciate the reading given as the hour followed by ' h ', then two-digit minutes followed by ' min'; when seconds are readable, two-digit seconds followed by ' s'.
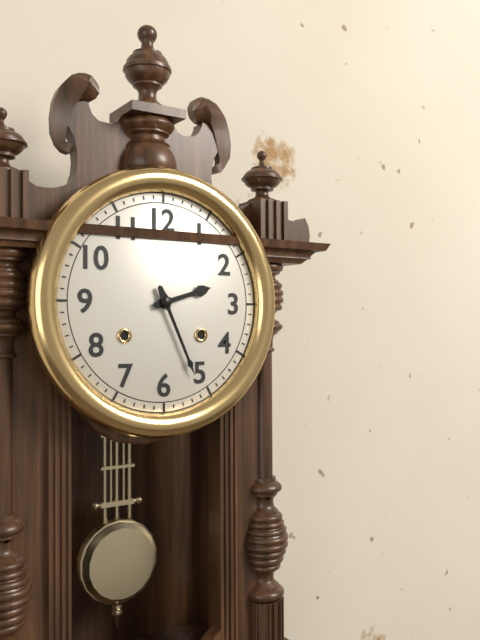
2 h 26 min
